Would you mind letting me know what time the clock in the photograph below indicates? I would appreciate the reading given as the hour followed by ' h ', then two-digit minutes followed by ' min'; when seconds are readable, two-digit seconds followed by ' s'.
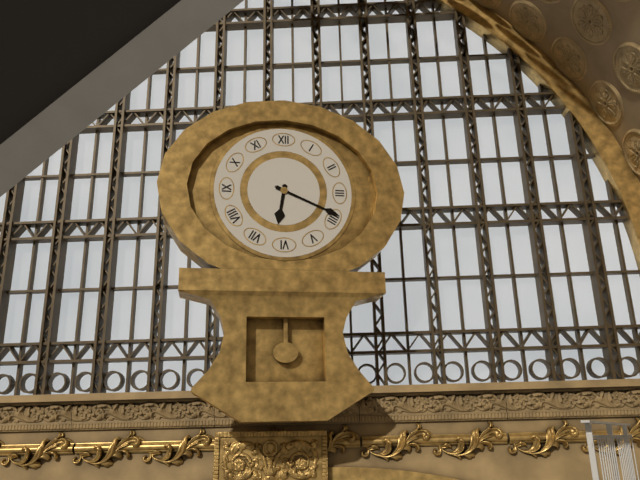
6 h 19 min
